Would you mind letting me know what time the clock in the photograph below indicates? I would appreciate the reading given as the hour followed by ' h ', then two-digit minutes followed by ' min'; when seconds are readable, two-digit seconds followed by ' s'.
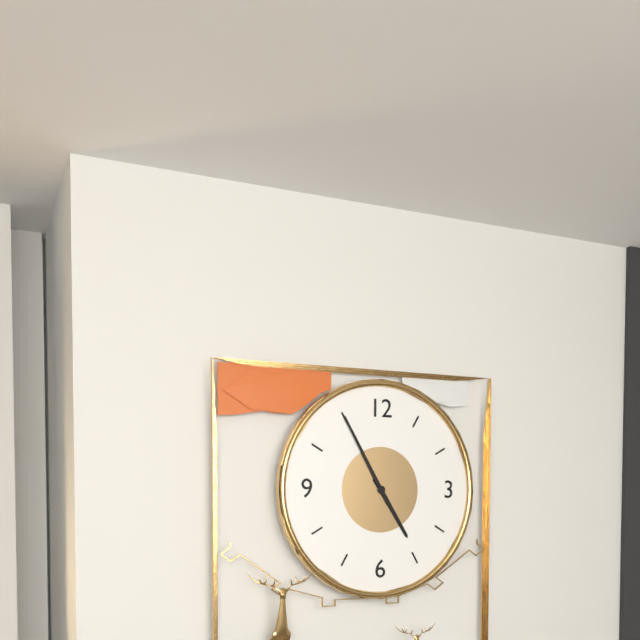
4 h 55 min
